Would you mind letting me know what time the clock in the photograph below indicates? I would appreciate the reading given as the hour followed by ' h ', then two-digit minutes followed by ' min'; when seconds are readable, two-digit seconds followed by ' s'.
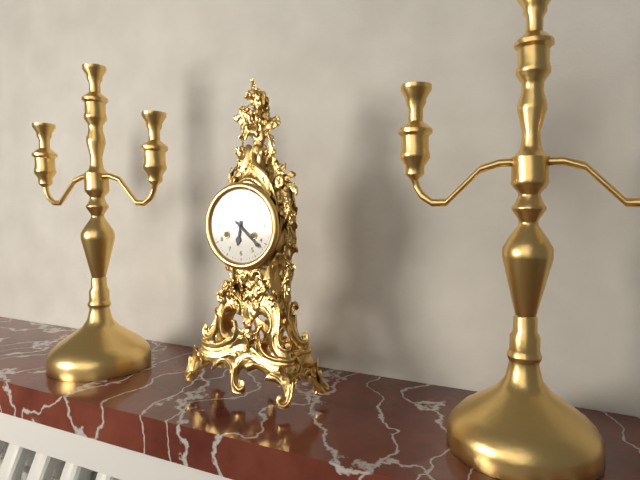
6 h 22 min
